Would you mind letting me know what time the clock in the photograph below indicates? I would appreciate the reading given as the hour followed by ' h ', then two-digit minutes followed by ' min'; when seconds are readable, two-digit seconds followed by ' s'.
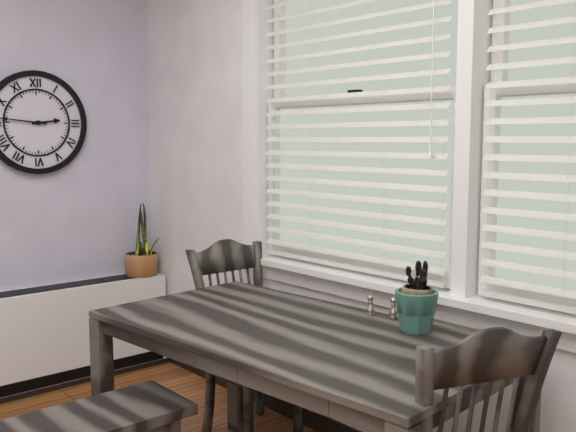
2 h 46 min
